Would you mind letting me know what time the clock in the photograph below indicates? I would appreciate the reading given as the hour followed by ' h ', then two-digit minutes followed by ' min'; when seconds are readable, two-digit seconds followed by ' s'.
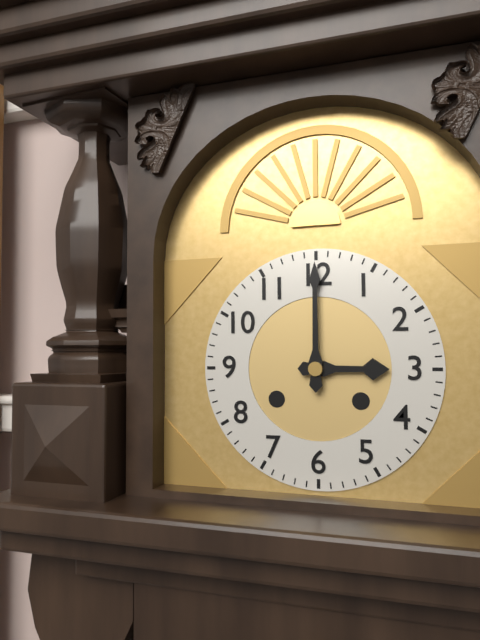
3 h 00 min
